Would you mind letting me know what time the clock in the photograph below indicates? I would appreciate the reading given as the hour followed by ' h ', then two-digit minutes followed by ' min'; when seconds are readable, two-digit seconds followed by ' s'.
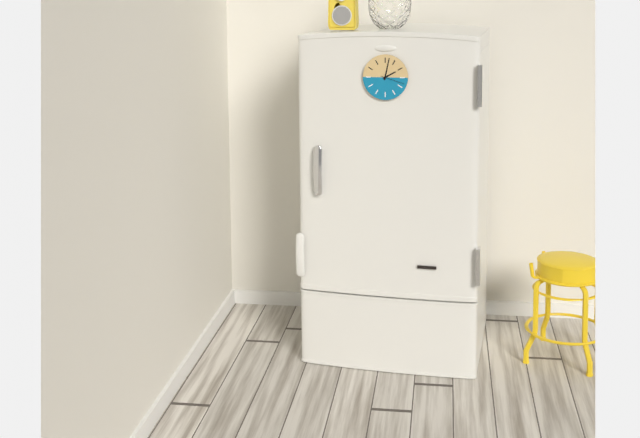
2 h 02 min
